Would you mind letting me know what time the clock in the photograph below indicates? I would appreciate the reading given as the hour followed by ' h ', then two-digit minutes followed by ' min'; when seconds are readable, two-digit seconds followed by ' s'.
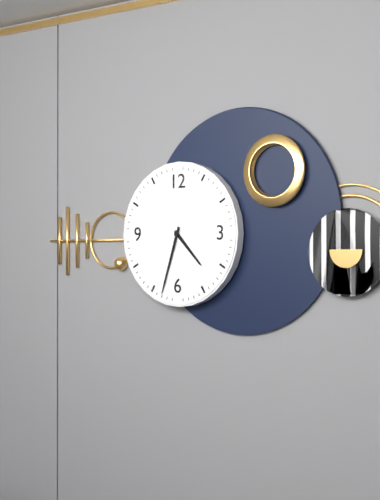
4 h 33 min
